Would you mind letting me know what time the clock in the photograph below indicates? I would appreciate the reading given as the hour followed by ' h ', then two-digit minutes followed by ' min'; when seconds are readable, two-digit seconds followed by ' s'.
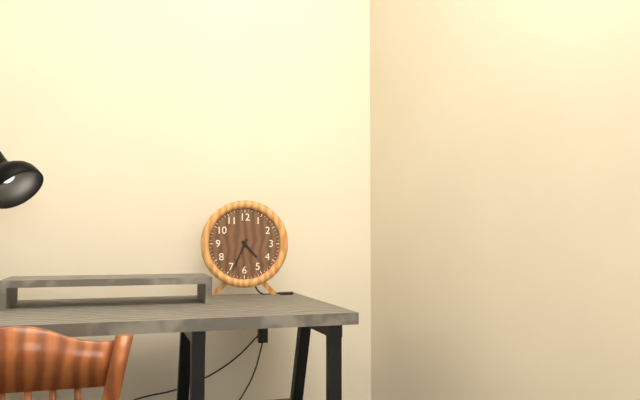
4 h 34 min
